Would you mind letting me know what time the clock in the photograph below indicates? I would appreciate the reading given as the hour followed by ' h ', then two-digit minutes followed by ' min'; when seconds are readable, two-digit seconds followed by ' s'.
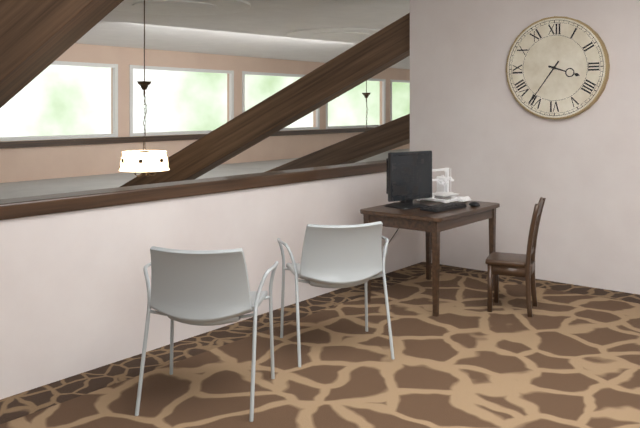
3 h 36 min
